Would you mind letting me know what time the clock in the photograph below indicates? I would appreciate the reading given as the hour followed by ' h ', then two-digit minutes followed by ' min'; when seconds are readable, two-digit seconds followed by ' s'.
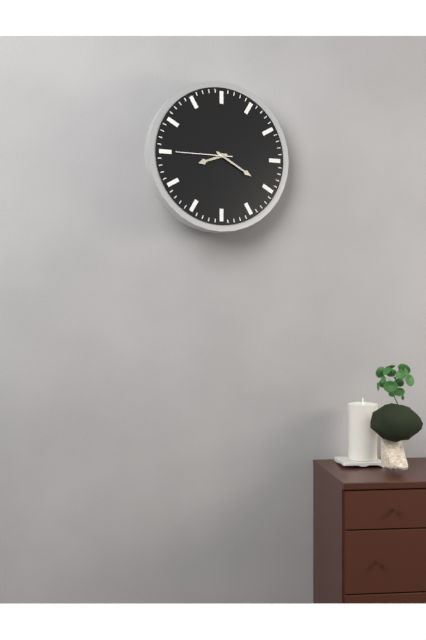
8 h 20 min 45 s
